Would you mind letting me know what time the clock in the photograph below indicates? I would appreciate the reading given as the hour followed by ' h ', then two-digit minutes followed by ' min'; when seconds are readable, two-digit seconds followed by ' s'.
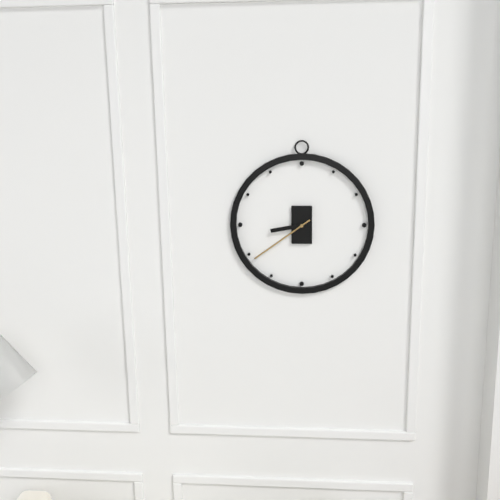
8 h 39 min
